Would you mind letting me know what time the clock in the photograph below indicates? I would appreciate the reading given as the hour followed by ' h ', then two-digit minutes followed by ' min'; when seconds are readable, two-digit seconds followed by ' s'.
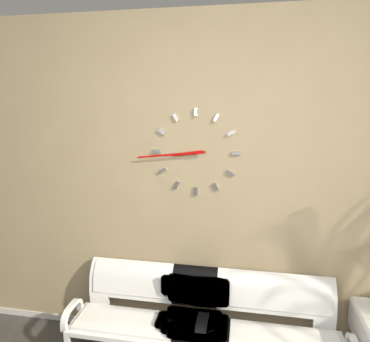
8 h 44 min
